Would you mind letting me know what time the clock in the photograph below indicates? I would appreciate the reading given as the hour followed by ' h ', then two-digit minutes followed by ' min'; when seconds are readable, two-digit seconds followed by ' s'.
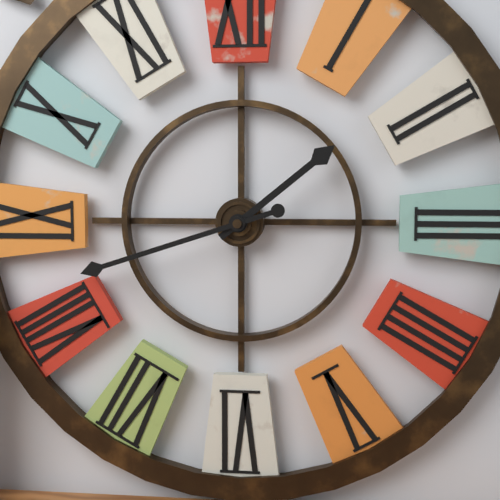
1 h 42 min
